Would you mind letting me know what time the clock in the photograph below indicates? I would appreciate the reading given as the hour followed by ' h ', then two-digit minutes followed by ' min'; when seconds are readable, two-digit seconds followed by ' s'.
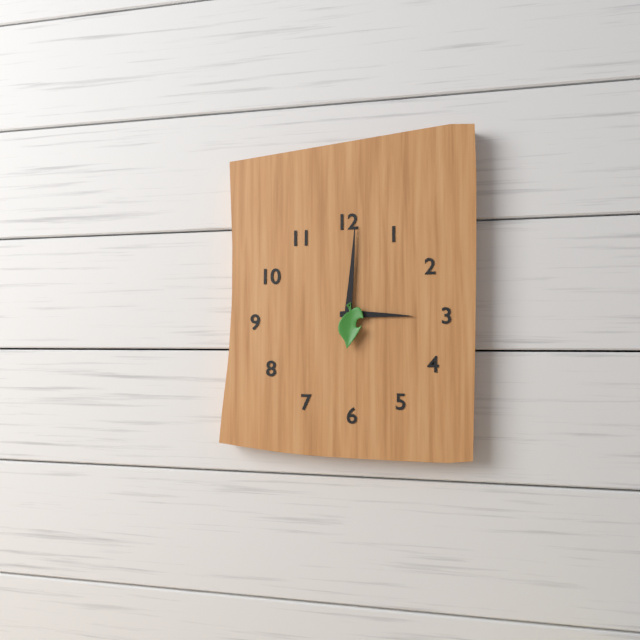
3 h 01 min
